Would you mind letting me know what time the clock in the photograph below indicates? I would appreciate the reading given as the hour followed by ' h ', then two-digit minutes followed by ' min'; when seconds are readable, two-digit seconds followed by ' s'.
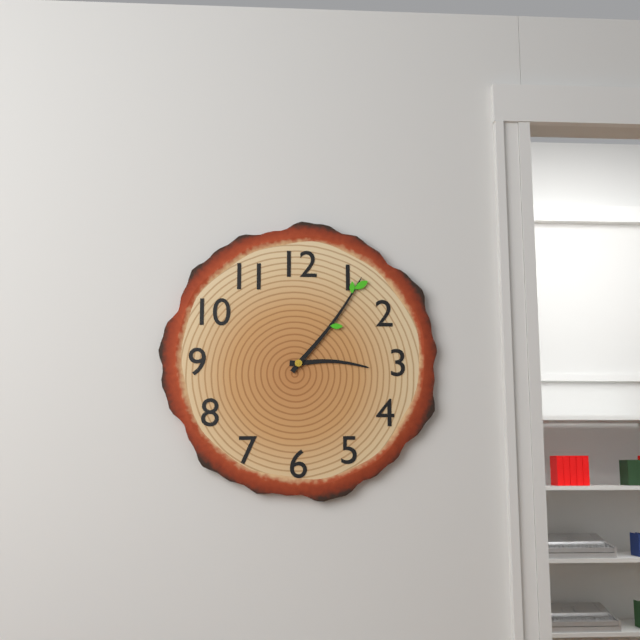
3 h 06 min
